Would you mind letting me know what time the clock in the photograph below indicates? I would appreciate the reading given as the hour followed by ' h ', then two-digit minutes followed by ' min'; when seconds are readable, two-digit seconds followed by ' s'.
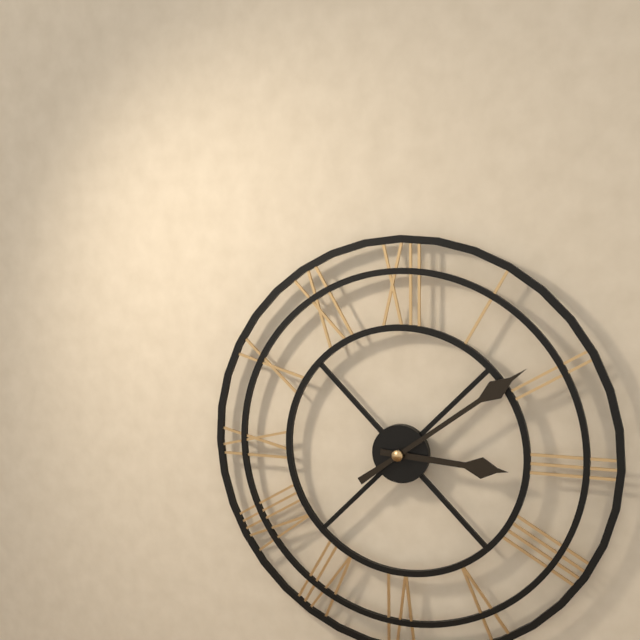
3 h 09 min
